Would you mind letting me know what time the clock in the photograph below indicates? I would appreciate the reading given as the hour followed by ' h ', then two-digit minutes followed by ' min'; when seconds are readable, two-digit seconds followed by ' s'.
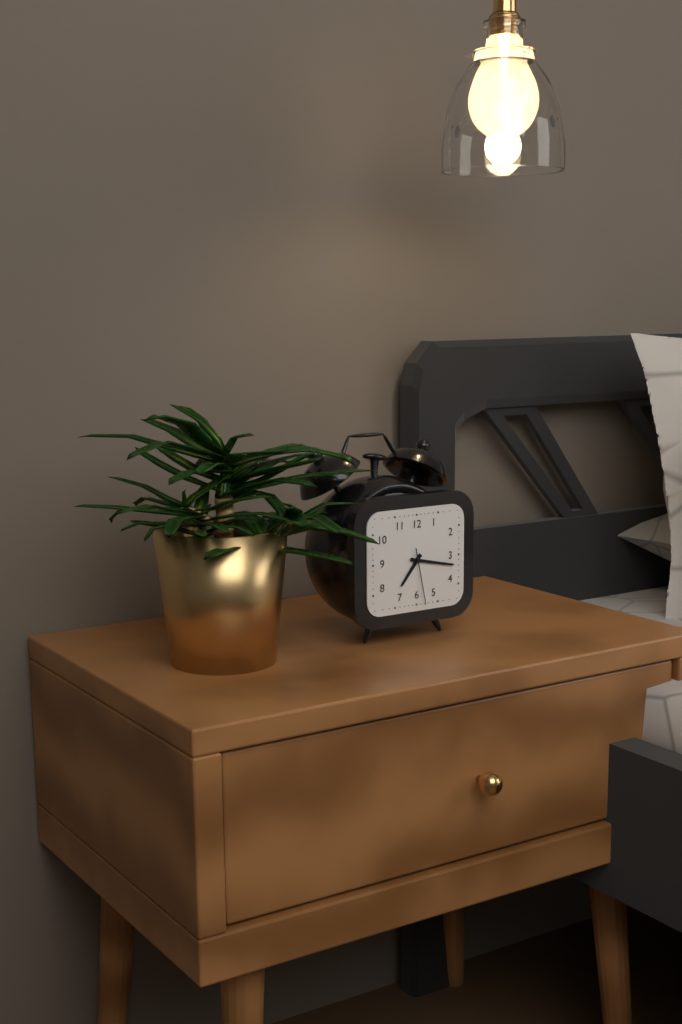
7 h 17 min 28 s
